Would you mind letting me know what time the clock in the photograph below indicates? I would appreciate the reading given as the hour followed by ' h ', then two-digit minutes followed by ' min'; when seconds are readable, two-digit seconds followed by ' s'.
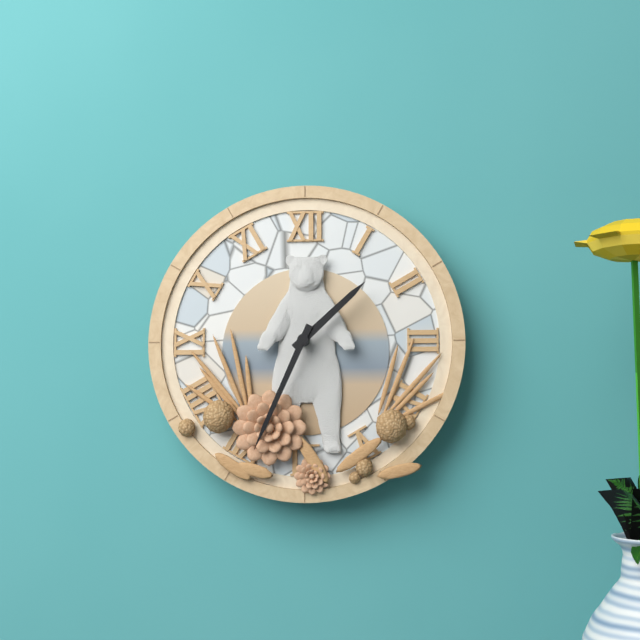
1 h 34 min
